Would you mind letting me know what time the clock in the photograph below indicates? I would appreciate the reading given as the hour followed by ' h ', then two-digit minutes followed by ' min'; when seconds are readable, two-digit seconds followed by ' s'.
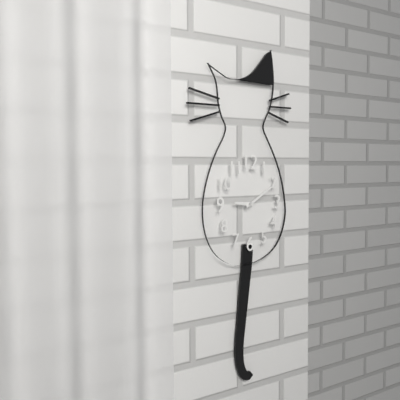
9 h 10 min
